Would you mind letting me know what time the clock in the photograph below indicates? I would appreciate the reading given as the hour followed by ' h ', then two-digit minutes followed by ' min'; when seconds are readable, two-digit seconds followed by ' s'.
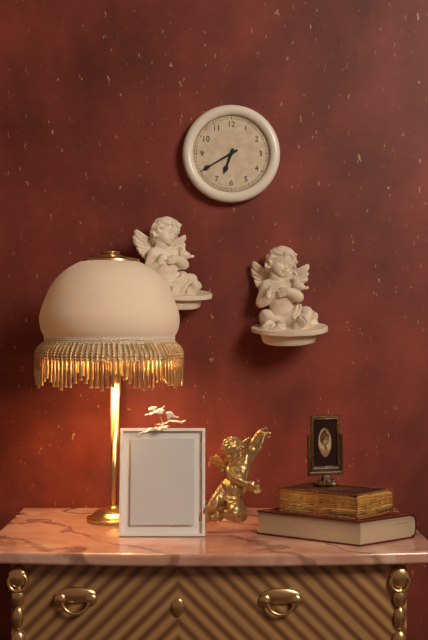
6 h 40 min
